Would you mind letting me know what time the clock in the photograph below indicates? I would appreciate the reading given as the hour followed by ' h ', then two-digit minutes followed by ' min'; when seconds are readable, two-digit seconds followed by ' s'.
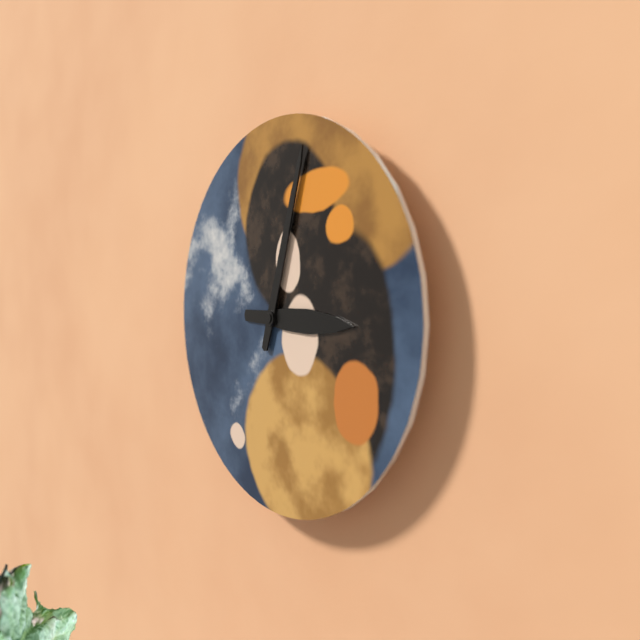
3 h 03 min
